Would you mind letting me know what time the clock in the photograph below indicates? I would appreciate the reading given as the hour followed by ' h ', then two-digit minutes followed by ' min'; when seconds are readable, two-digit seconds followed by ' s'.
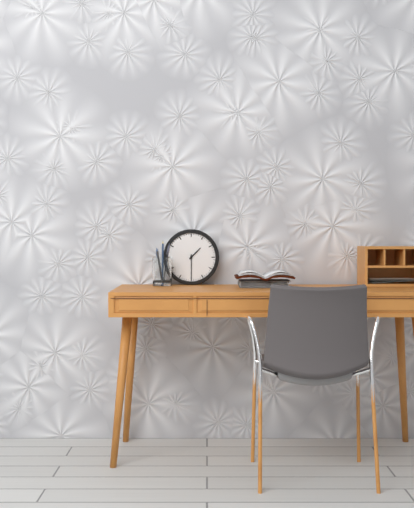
1 h 30 min
